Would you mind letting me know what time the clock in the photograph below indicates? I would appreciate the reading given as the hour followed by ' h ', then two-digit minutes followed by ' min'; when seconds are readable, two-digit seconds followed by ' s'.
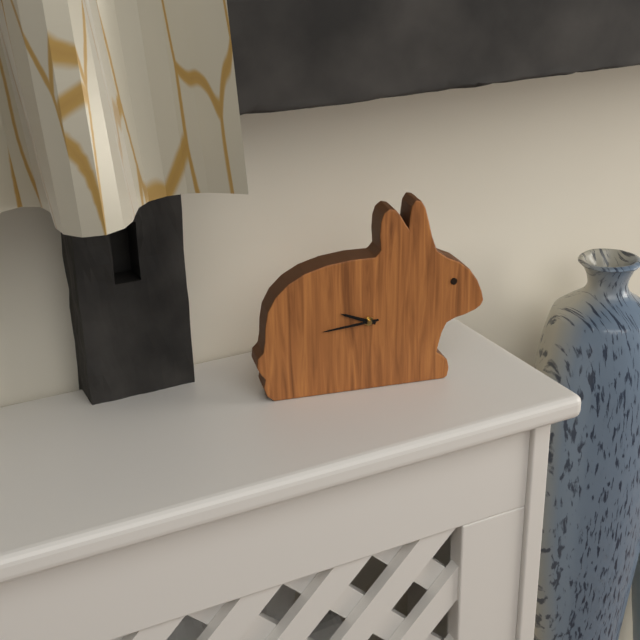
9 h 44 min
